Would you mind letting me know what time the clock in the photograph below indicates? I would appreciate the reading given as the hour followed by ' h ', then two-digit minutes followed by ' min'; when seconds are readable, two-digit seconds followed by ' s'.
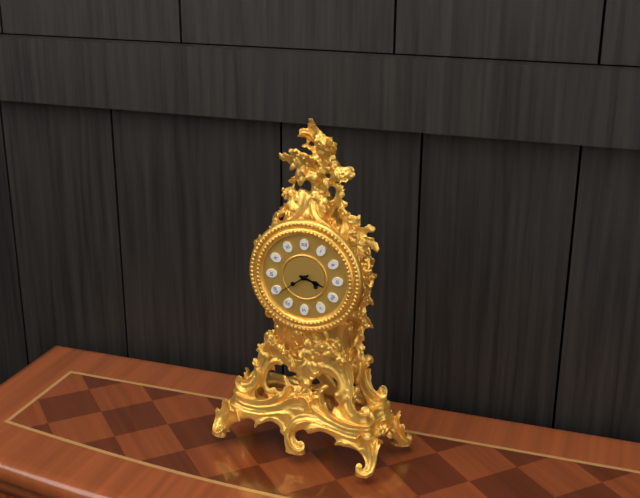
3 h 39 min
